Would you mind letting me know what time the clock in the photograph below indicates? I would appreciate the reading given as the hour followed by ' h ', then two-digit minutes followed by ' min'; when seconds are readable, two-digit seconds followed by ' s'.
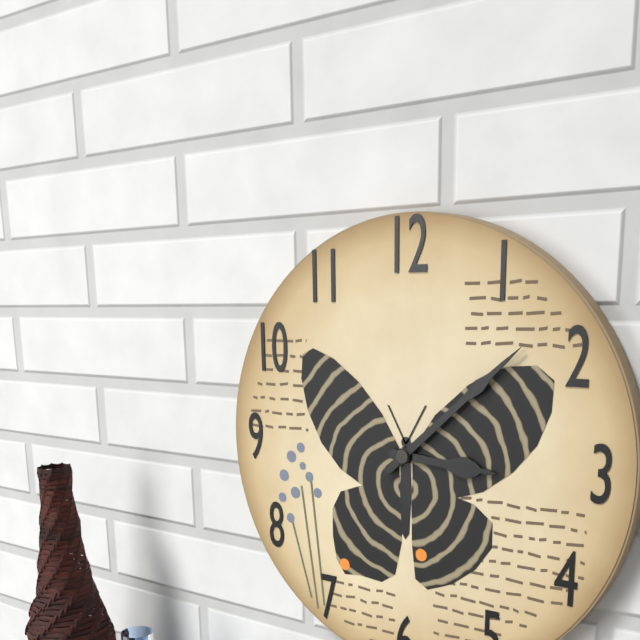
3 h 08 min
